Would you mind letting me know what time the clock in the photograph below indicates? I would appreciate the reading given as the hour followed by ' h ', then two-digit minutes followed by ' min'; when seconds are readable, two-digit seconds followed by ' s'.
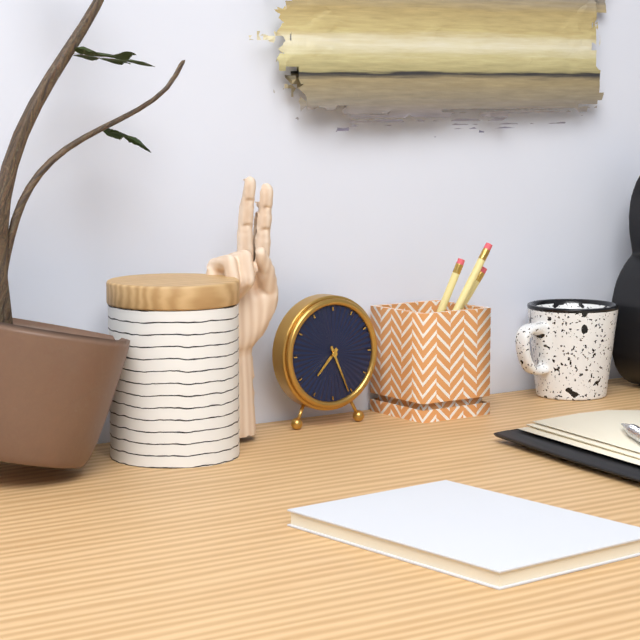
7 h 26 min
